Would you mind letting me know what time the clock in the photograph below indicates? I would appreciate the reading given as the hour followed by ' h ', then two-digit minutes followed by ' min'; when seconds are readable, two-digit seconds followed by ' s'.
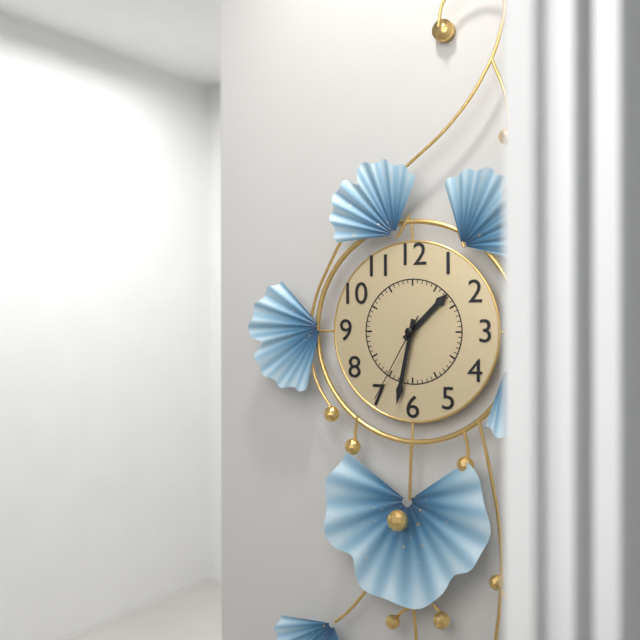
1 h 32 min 35 s
